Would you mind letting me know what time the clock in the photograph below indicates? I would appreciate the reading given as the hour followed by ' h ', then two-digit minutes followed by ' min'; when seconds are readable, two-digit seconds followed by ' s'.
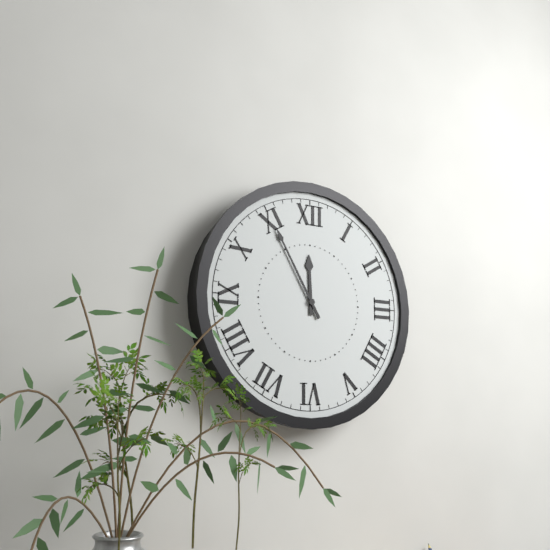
11 h 55 min
